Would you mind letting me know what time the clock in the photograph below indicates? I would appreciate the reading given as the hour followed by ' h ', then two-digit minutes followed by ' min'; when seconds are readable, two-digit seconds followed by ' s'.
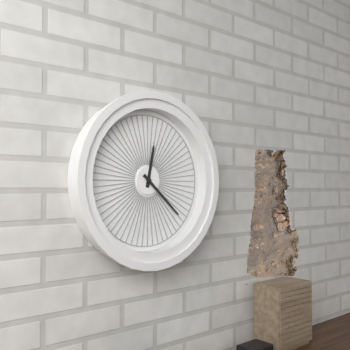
12 h 22 min
